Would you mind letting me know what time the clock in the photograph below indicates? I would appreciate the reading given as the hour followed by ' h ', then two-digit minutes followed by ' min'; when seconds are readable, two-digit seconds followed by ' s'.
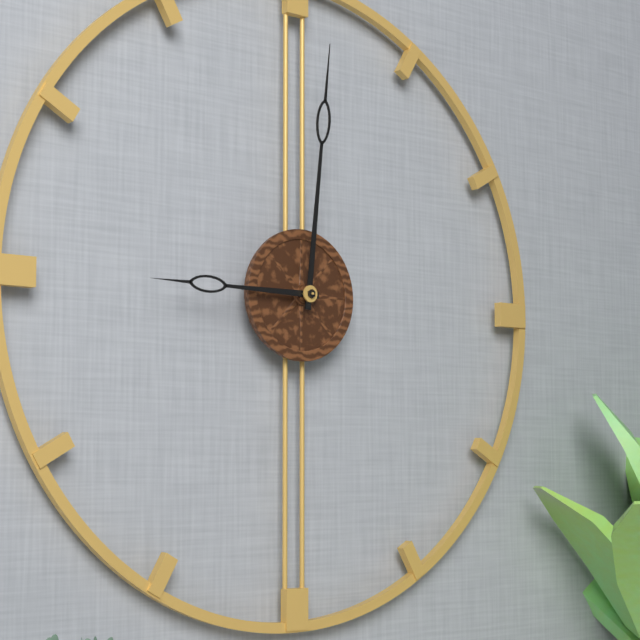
9 h 01 min
